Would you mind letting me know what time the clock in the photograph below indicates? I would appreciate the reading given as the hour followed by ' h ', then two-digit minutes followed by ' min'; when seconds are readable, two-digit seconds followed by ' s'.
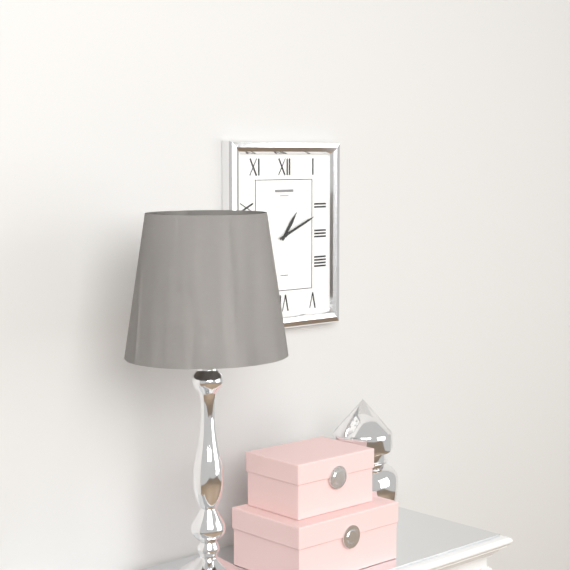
1 h 11 min
